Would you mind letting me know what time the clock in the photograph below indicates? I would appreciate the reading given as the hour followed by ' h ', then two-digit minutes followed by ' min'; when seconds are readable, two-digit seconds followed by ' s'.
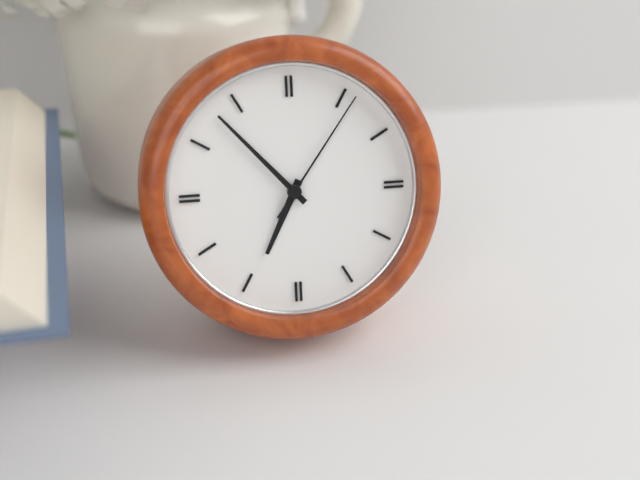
6 h 53 min 06 s
